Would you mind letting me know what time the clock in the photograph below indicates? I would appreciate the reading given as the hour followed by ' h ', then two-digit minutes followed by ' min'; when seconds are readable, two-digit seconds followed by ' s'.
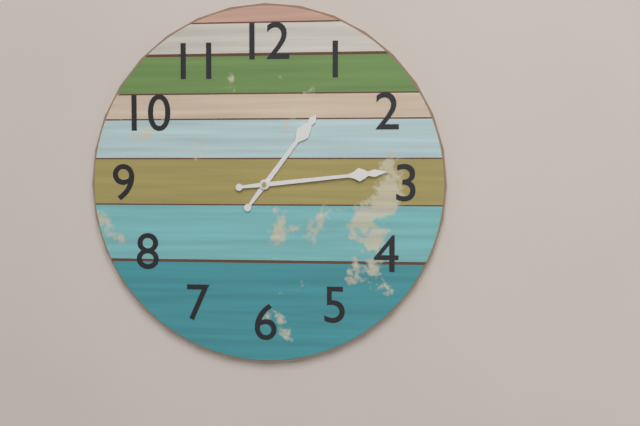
1 h 14 min
